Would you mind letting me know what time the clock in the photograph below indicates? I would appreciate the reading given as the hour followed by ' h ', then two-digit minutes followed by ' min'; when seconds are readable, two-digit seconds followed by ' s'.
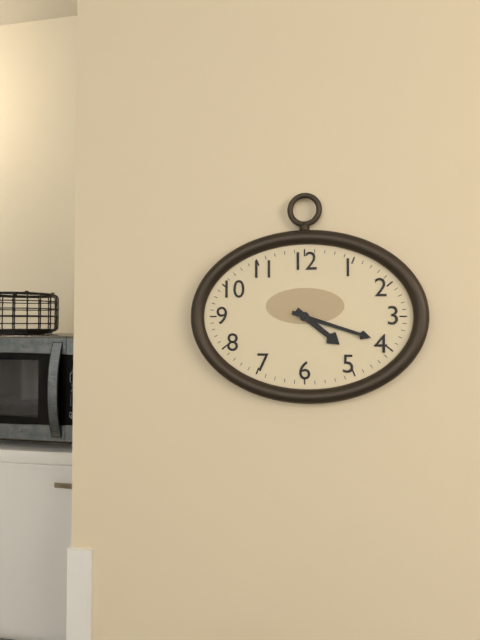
4 h 18 min
